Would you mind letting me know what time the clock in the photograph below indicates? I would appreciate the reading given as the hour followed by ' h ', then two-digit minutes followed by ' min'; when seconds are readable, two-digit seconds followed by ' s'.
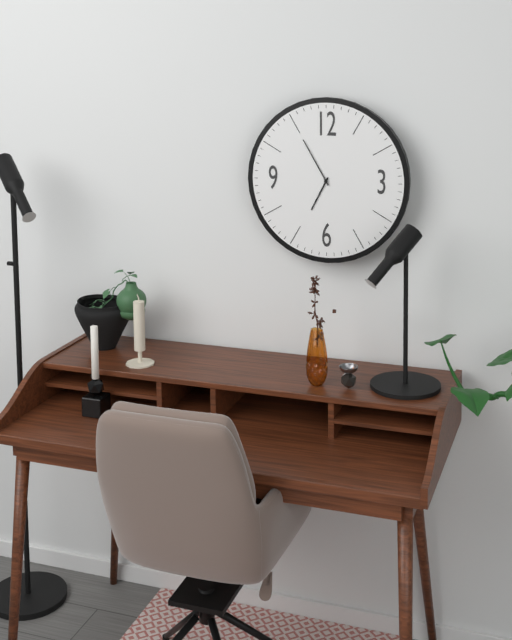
6 h 55 min
